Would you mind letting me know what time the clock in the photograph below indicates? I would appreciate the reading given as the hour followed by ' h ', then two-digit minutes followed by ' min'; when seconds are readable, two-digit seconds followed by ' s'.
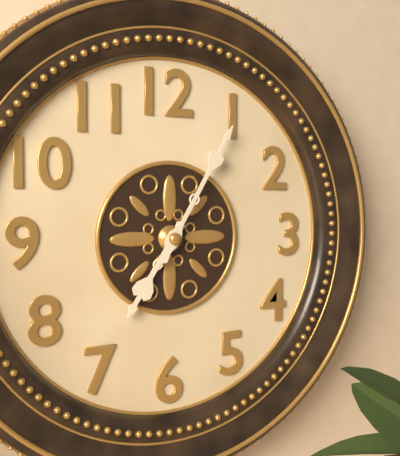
7 h 05 min
